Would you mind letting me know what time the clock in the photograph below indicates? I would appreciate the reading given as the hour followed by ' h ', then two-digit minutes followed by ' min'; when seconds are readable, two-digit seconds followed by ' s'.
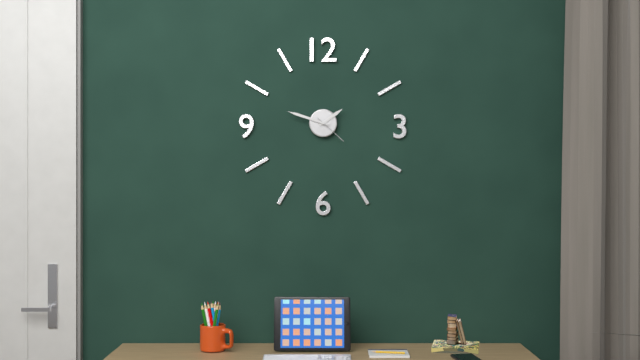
1 h 48 min
